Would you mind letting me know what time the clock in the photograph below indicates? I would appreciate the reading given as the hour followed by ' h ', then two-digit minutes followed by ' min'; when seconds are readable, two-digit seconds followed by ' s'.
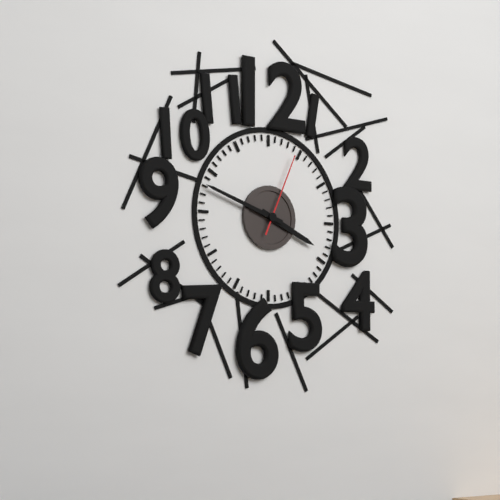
3 h 48 min 04 s
